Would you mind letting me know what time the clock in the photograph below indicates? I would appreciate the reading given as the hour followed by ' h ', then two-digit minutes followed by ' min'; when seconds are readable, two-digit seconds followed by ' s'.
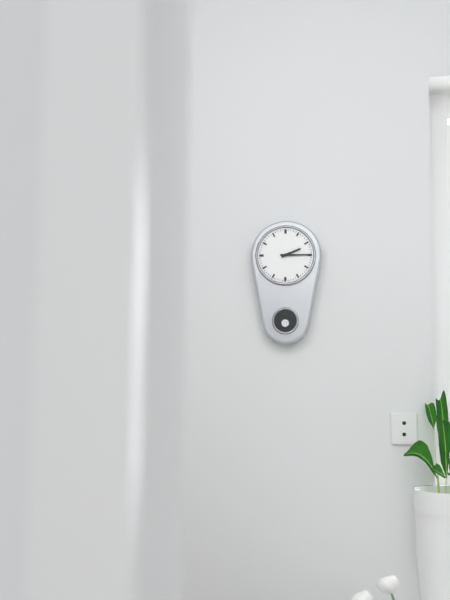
2 h 15 min
